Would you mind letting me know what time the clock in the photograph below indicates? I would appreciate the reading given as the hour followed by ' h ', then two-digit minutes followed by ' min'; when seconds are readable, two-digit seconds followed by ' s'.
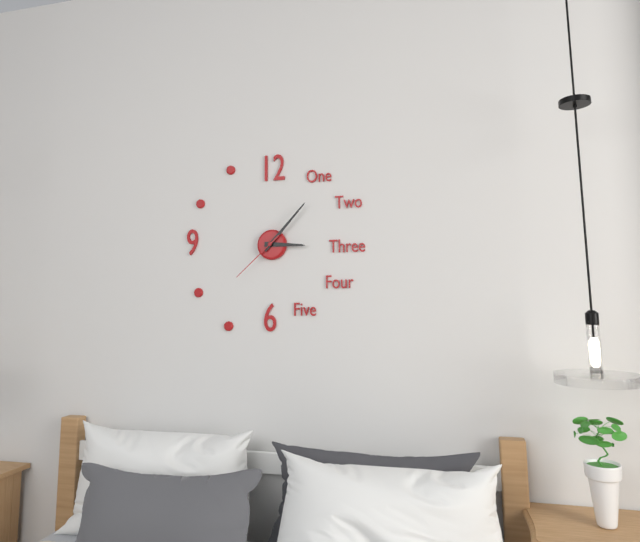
3 h 07 min 38 s
